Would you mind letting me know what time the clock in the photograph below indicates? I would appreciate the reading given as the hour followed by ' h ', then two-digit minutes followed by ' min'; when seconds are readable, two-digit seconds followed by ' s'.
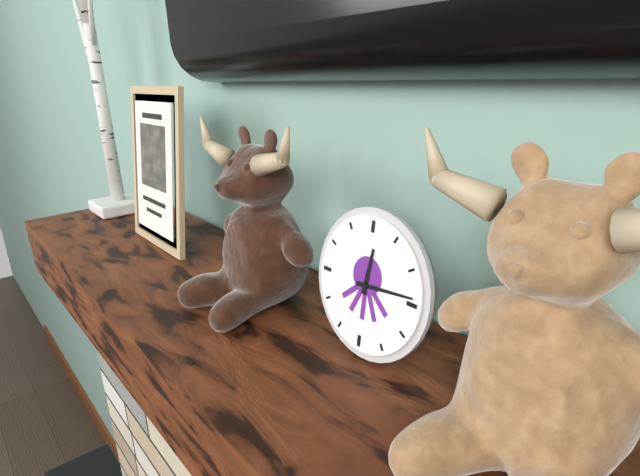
12 h 14 min
